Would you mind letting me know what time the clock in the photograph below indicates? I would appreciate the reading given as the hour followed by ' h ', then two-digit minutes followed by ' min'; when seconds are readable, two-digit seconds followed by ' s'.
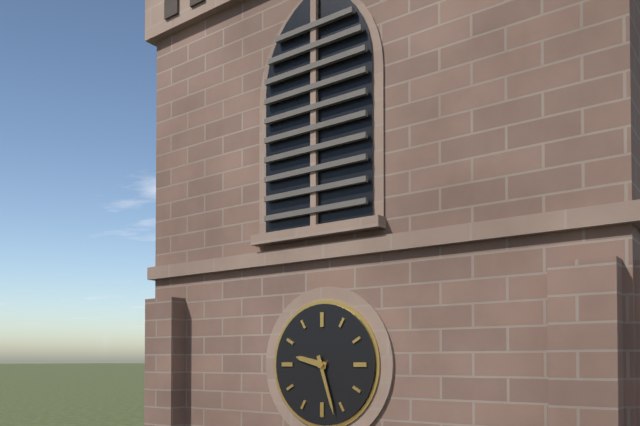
9 h 27 min
